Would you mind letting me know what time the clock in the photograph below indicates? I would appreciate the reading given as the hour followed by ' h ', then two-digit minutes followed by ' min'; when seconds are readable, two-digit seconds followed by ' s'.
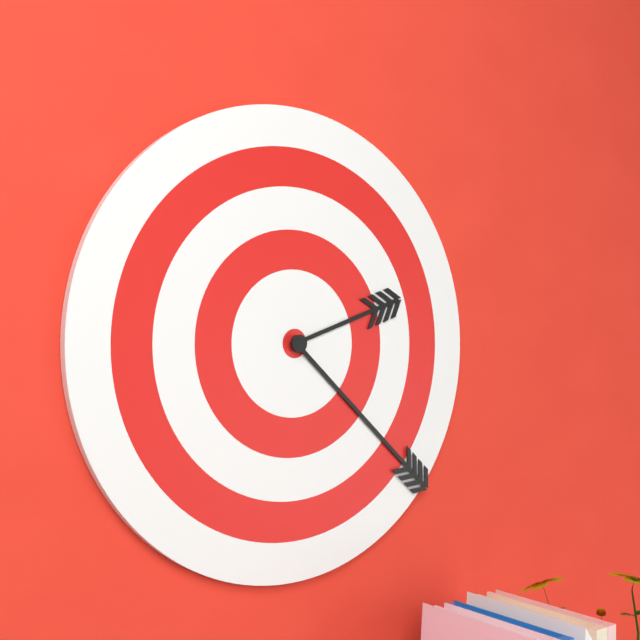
2 h 22 min
